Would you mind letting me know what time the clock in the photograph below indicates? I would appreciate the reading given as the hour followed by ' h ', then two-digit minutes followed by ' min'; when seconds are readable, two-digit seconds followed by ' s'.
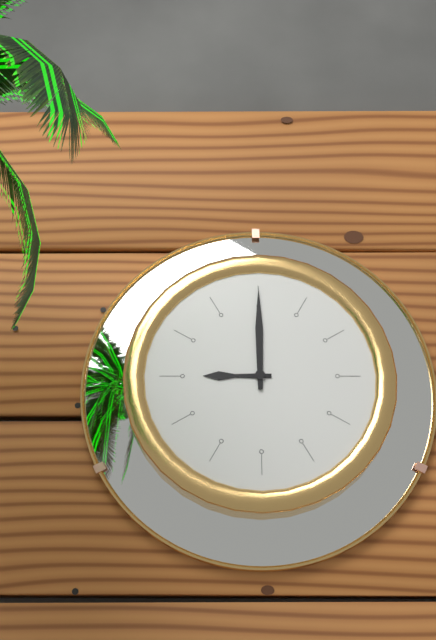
9 h 00 min
